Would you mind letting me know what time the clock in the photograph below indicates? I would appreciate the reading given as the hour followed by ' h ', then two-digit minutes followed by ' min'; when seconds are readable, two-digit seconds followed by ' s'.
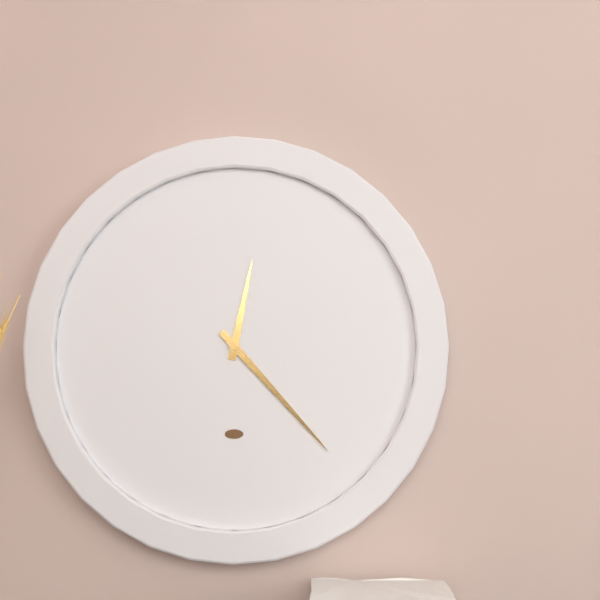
12 h 23 min
